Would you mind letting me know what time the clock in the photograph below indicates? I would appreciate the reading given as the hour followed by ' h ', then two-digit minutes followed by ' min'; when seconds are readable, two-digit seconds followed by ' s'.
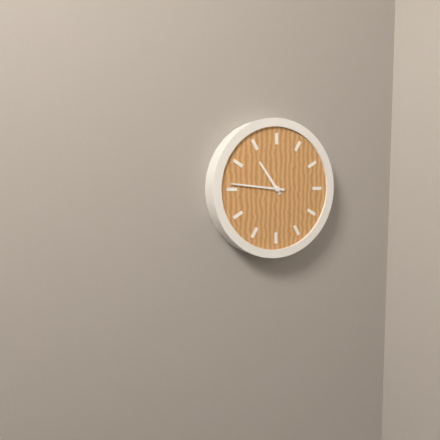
10 h 46 min
